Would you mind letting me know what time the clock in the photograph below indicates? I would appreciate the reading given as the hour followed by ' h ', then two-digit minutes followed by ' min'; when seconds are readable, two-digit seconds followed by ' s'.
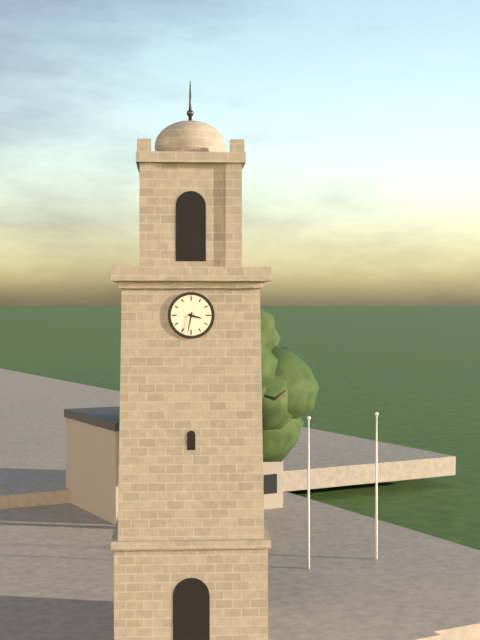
3 h 32 min
